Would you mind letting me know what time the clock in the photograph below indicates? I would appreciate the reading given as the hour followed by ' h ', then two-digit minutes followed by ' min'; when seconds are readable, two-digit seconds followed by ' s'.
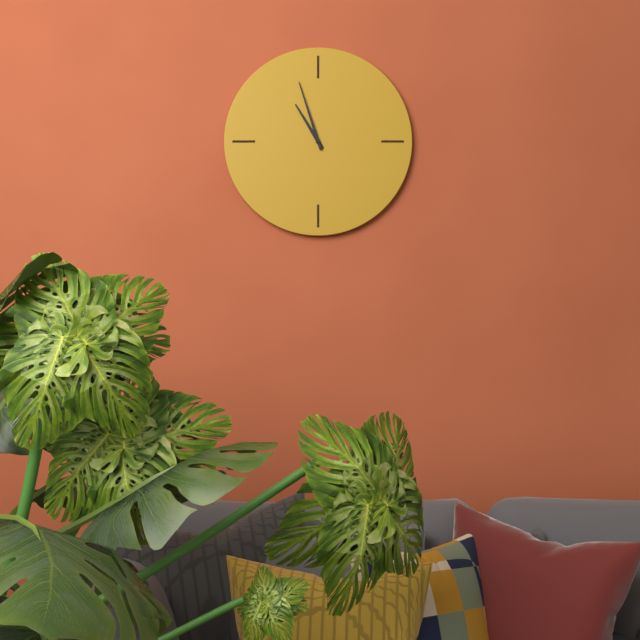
10 h 57 min
